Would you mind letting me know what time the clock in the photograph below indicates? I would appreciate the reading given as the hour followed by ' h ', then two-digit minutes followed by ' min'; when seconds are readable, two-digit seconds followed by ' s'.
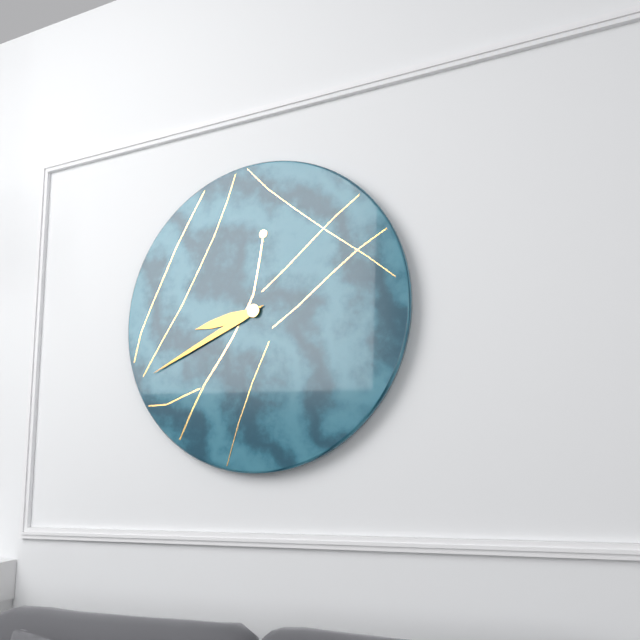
8 h 41 min
